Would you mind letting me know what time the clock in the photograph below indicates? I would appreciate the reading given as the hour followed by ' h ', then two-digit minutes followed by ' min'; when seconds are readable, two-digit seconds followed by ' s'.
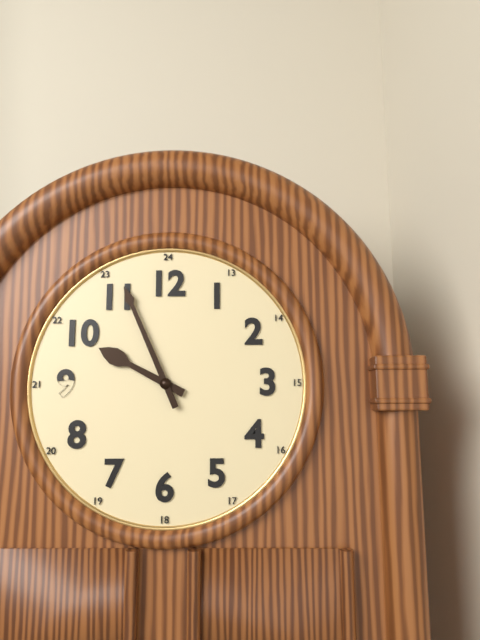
9 h 56 min
